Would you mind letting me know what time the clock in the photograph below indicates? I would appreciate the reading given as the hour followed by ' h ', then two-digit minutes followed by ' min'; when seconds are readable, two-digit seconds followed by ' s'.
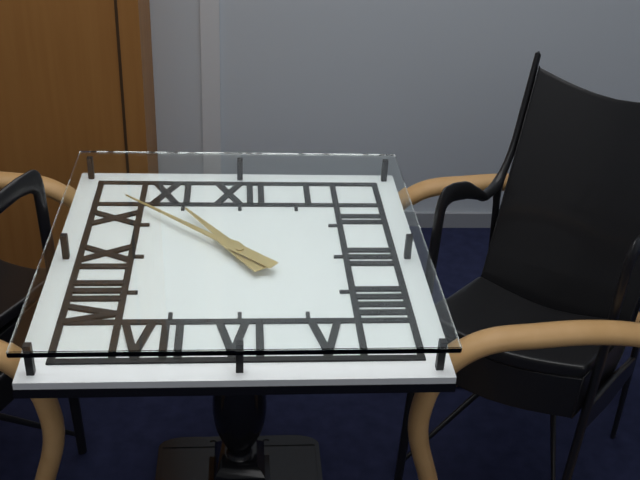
10 h 52 min
